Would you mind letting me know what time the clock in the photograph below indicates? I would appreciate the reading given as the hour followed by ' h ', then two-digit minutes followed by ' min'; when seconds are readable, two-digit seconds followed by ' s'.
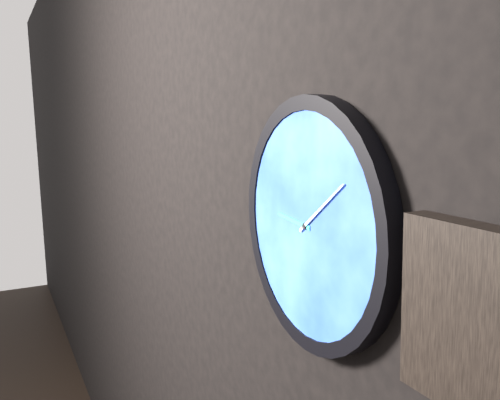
9 h 09 min
